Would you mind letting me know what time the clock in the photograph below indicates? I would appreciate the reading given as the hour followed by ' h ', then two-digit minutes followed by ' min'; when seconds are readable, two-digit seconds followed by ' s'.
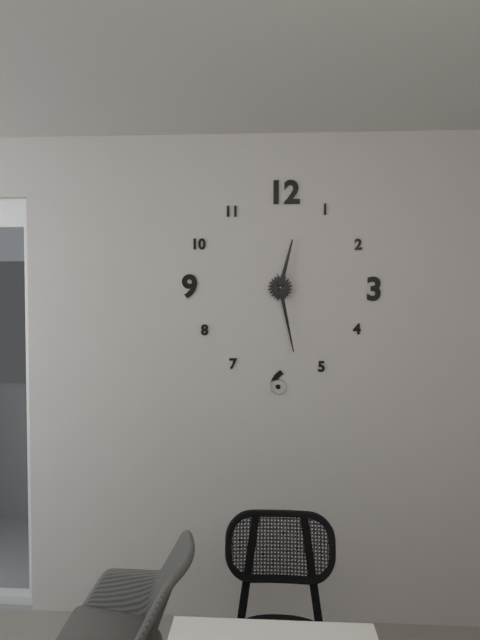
12 h 28 min
